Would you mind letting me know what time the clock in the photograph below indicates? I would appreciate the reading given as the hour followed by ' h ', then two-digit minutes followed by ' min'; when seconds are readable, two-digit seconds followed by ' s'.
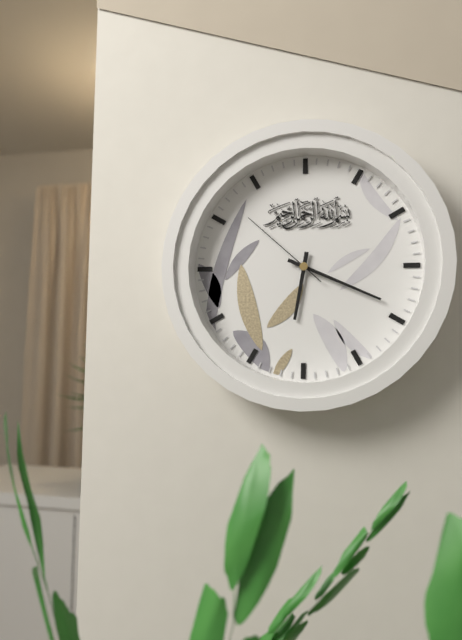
6 h 19 min 52 s
